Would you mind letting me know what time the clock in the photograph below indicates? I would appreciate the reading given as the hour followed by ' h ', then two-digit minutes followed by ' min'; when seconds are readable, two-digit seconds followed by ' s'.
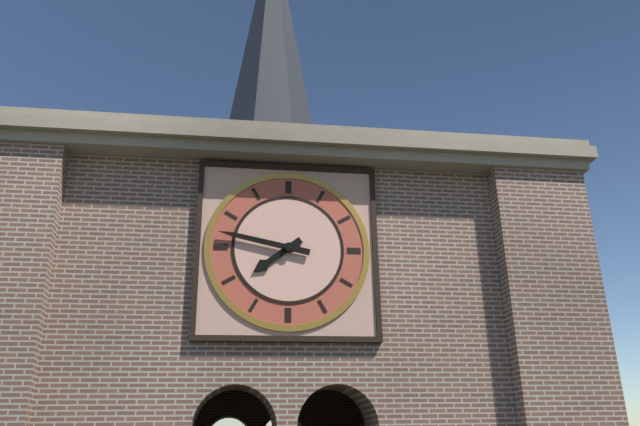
7 h 47 min
